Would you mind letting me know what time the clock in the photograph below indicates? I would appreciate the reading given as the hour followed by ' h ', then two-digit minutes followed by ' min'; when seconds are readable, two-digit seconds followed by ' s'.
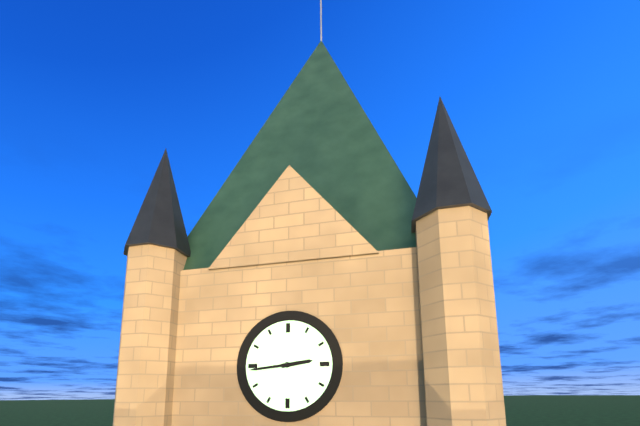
2 h 44 min
